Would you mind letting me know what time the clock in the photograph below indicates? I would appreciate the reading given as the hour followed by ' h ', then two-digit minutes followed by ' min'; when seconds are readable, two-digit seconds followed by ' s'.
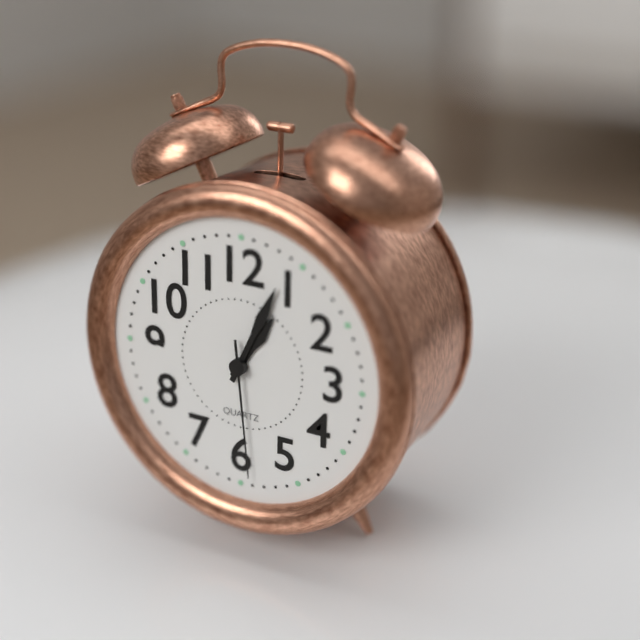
1 h 04 min 29 s
